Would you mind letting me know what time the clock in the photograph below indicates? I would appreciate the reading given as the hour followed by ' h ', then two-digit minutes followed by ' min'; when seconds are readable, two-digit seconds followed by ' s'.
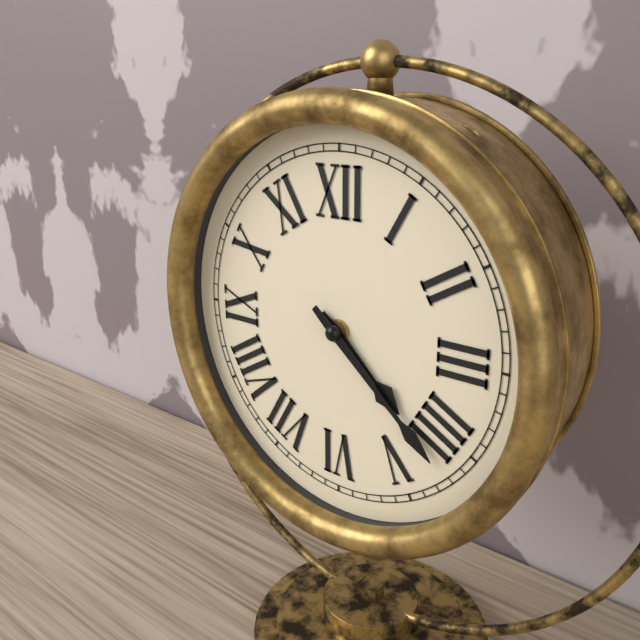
4 h 22 min
